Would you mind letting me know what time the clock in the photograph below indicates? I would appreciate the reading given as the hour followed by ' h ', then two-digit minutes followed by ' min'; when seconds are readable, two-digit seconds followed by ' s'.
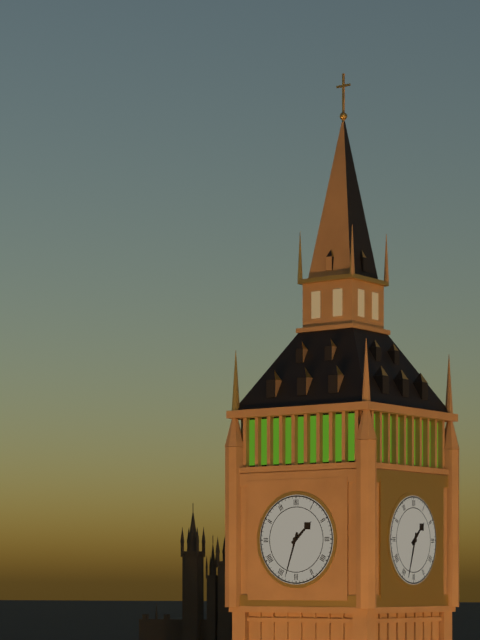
1 h 33 min
